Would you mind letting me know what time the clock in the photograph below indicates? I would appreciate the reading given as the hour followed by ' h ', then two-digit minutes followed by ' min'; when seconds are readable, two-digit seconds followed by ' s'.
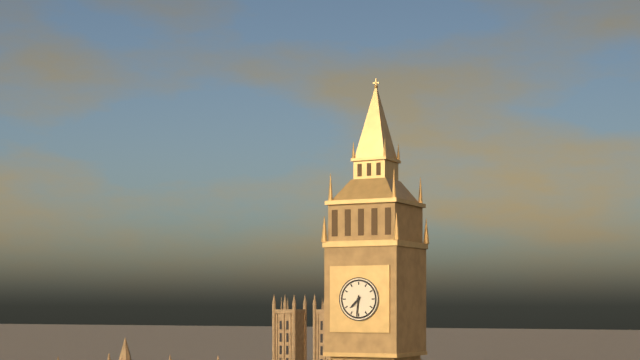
7 h 31 min
